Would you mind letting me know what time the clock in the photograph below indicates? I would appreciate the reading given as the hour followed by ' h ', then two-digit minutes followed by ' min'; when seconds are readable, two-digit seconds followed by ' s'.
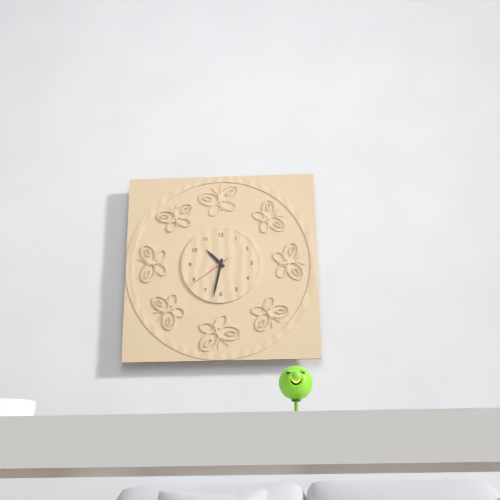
10 h 32 min
